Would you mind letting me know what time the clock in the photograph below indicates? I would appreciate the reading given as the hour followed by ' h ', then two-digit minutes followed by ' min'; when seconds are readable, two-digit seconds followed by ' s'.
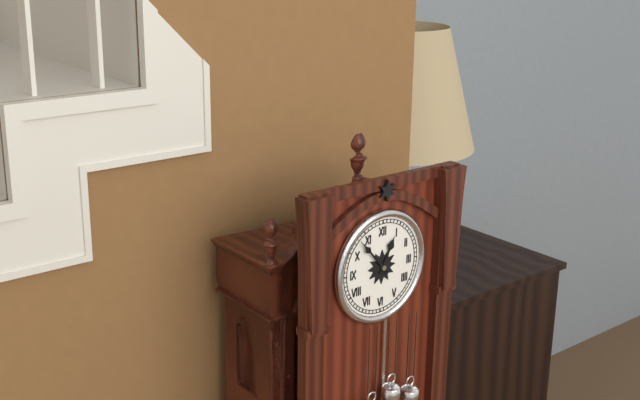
12 h 53 min
